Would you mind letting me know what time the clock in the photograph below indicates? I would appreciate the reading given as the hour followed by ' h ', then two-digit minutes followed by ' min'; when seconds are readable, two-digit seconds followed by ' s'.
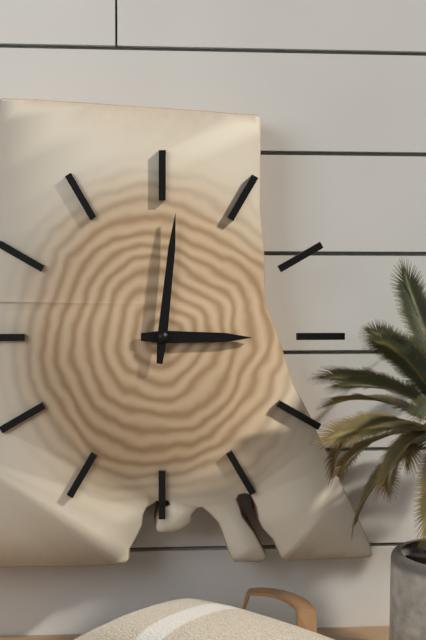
3 h 01 min
